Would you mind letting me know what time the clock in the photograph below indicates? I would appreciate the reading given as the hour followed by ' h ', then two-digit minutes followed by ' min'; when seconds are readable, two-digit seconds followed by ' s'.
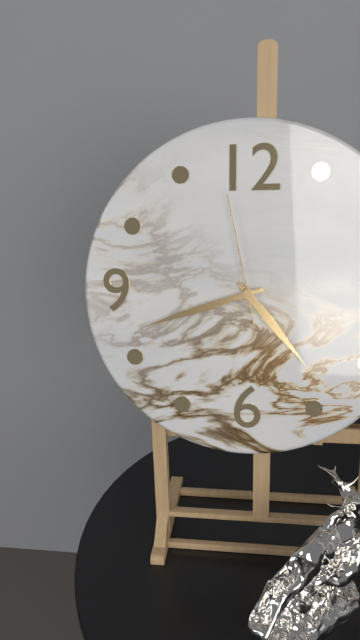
4 h 42 min 58 s
